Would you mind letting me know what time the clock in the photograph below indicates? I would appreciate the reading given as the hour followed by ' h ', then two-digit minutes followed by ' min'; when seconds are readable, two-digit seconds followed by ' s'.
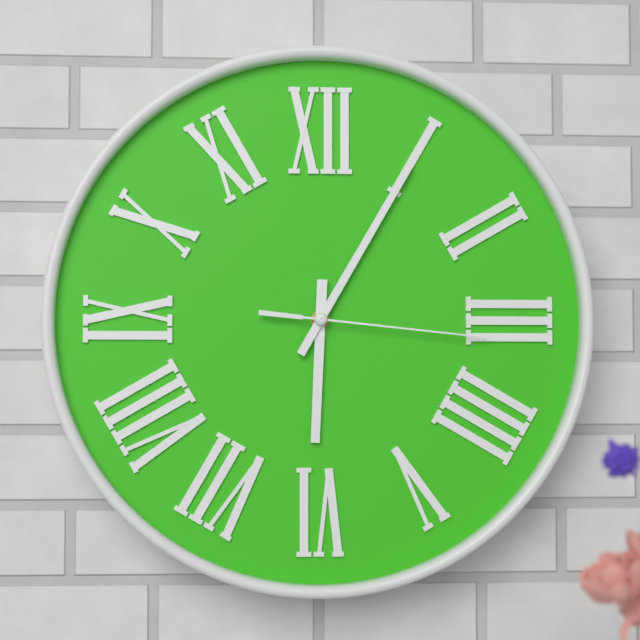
6 h 05 min 16 s
